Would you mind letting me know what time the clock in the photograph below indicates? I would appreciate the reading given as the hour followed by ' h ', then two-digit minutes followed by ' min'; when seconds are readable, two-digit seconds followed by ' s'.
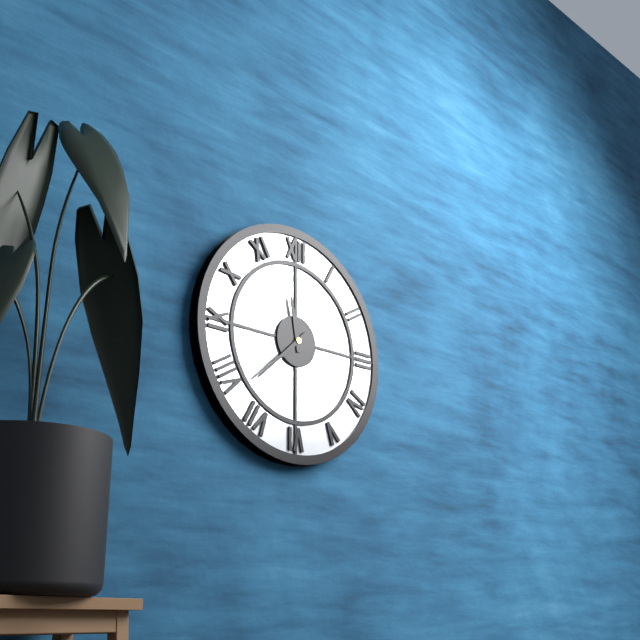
11 h 38 min
